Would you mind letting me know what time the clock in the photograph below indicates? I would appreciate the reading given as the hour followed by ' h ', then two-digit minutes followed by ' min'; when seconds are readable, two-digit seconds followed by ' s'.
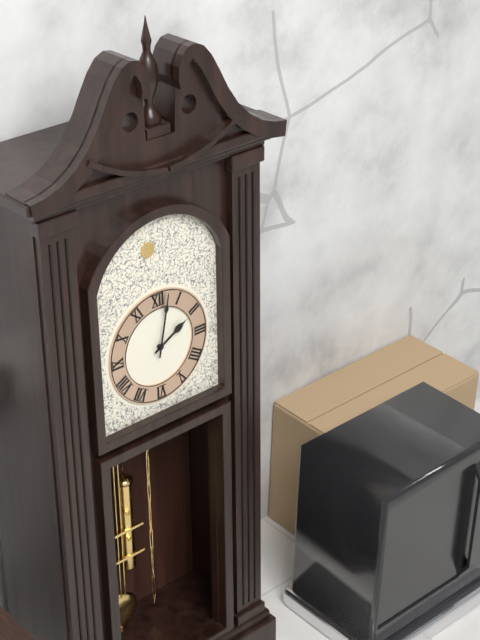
2 h 02 min
